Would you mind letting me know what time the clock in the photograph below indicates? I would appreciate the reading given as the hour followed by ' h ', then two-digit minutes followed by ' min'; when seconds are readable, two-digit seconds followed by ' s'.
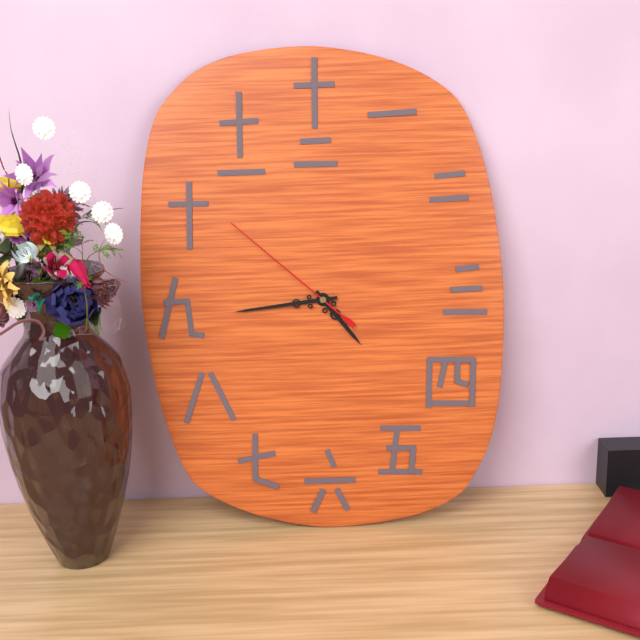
4 h 44 min 52 s
